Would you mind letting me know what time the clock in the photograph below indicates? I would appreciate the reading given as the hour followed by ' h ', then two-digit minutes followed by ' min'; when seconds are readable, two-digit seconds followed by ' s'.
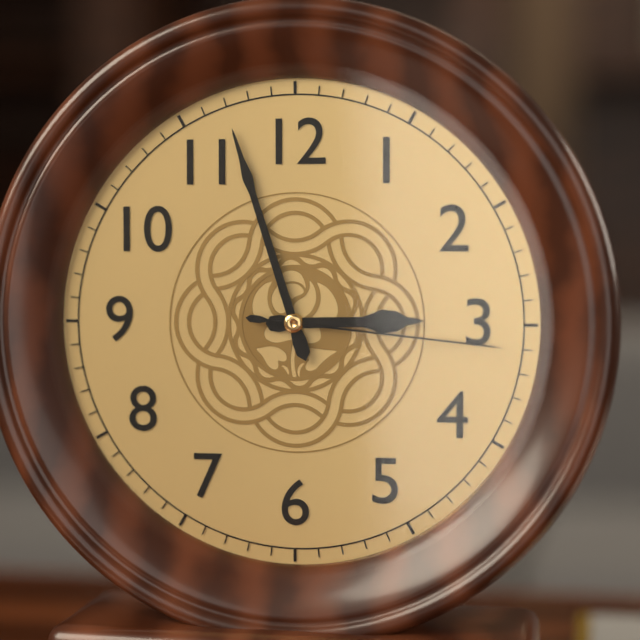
2 h 57 min 16 s
